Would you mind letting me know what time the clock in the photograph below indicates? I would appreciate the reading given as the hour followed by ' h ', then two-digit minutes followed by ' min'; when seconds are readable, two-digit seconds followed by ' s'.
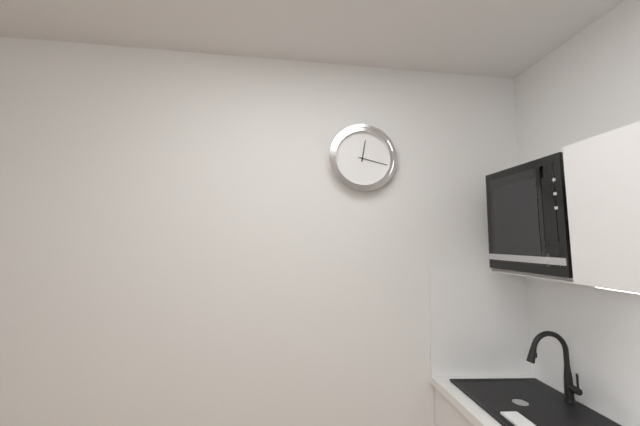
12 h 17 min
